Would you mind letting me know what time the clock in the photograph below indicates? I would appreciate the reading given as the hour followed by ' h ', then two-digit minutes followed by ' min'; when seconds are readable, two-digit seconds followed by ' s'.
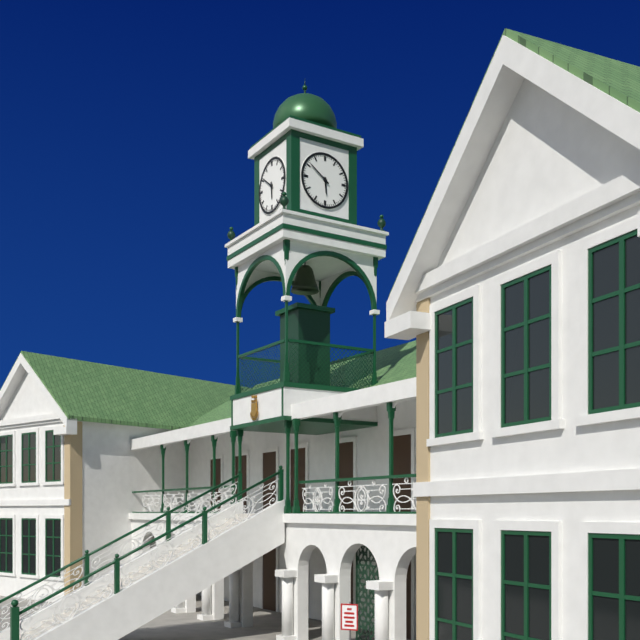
5 h 51 min
